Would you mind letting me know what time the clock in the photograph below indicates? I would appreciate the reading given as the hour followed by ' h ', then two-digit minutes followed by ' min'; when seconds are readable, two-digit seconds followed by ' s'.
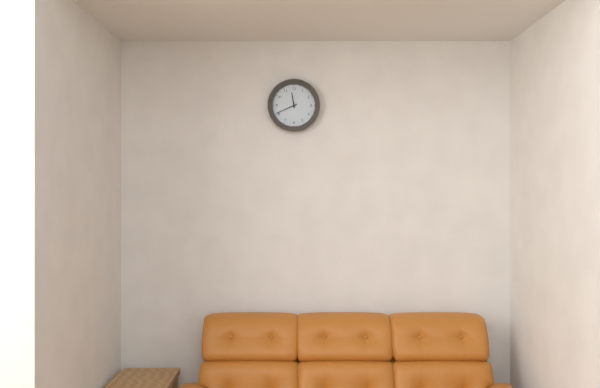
11 h 41 min
